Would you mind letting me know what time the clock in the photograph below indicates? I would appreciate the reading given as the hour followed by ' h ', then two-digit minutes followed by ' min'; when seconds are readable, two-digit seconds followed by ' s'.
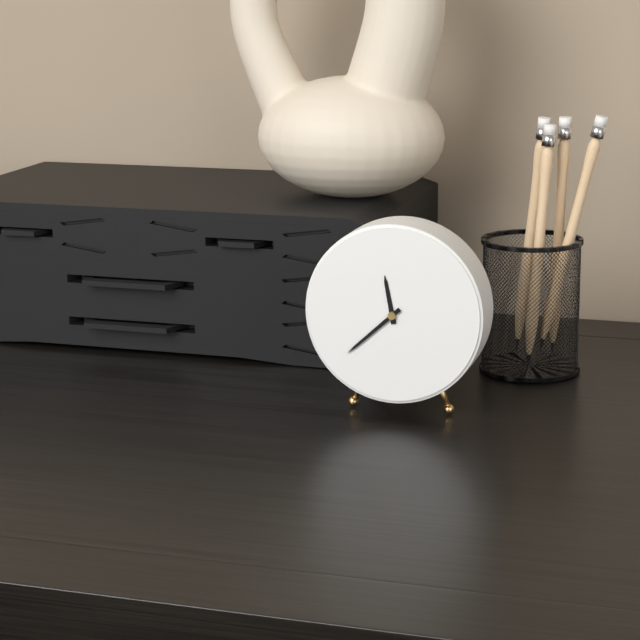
11 h 38 min
